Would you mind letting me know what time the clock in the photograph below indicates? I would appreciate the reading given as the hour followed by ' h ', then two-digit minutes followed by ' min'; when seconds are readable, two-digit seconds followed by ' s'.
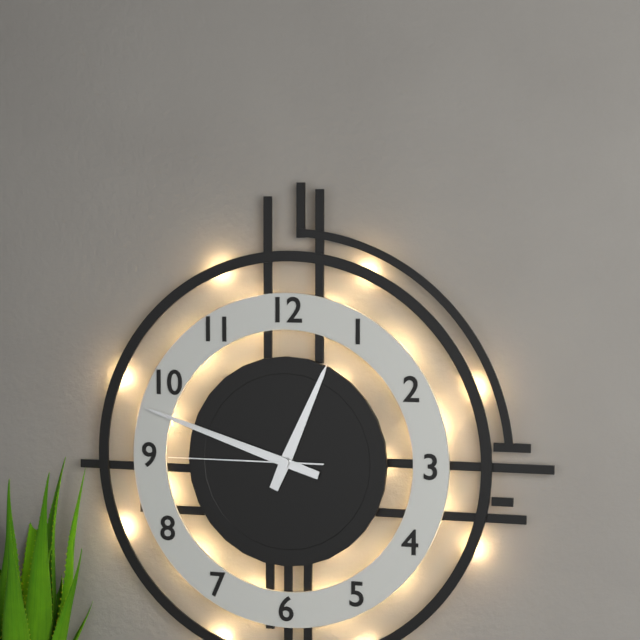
12 h 48 min 45 s
